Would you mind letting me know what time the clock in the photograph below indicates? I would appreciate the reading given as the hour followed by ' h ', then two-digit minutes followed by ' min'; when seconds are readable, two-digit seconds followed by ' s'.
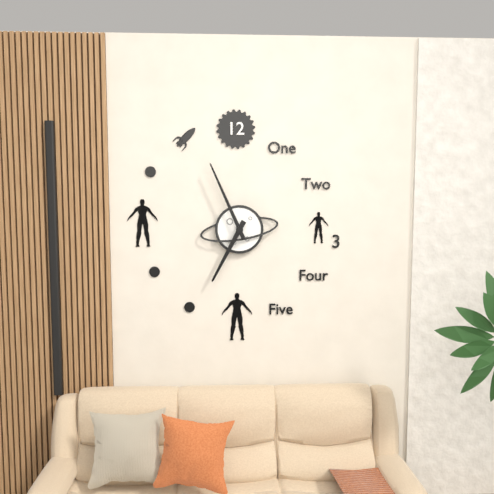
6 h 56 min
